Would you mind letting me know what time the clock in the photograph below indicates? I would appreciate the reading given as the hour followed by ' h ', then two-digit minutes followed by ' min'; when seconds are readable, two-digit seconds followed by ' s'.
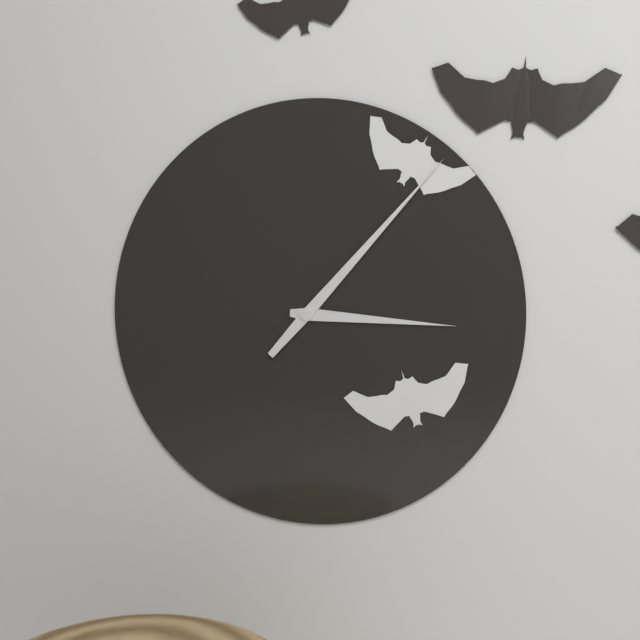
3 h 07 min
